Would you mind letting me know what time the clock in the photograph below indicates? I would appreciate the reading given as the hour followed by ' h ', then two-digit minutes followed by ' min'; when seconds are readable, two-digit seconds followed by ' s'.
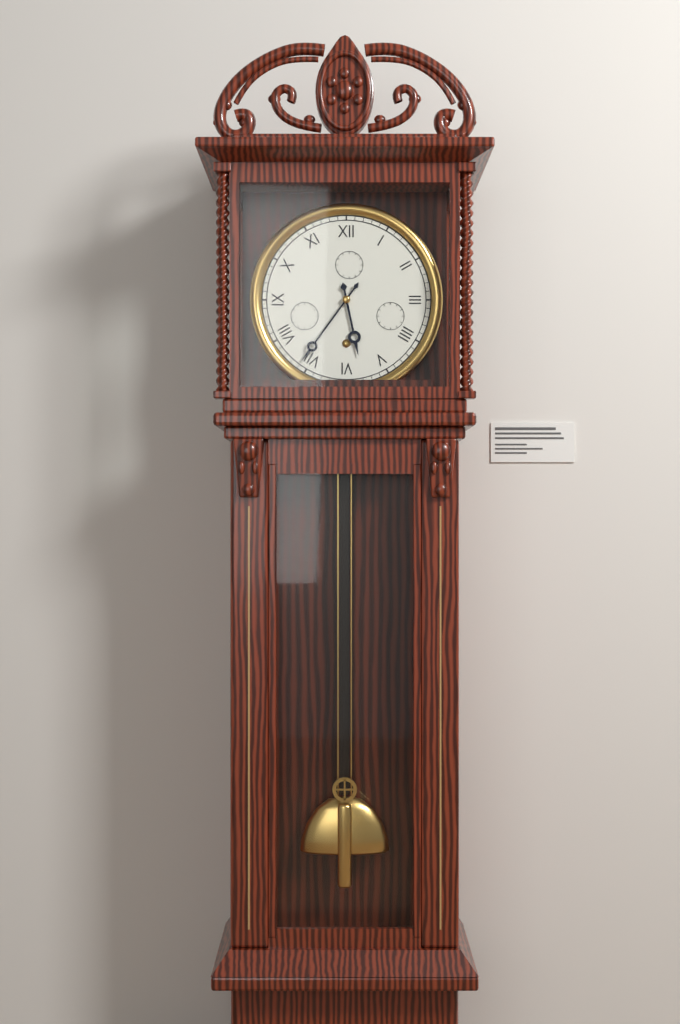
5 h 36 min
